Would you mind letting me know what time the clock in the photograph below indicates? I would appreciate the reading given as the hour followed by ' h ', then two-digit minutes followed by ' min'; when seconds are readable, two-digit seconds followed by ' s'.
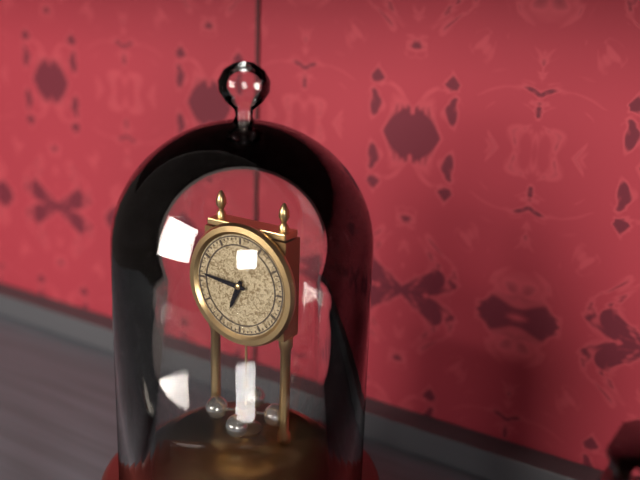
6 h 46 min
